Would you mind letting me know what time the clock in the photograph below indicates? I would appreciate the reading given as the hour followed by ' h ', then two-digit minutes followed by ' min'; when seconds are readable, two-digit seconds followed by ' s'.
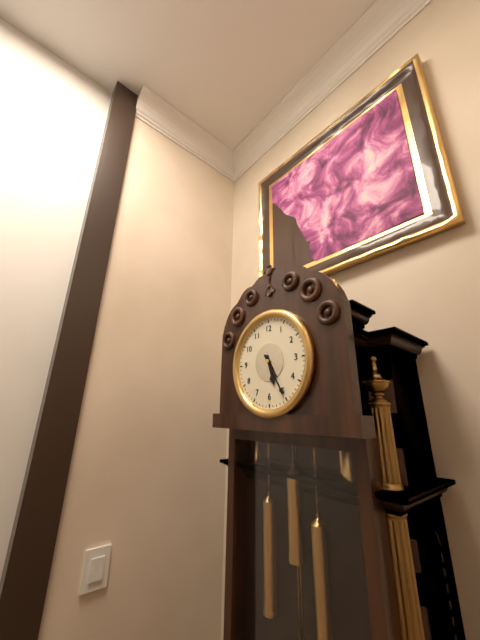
5 h 25 min
